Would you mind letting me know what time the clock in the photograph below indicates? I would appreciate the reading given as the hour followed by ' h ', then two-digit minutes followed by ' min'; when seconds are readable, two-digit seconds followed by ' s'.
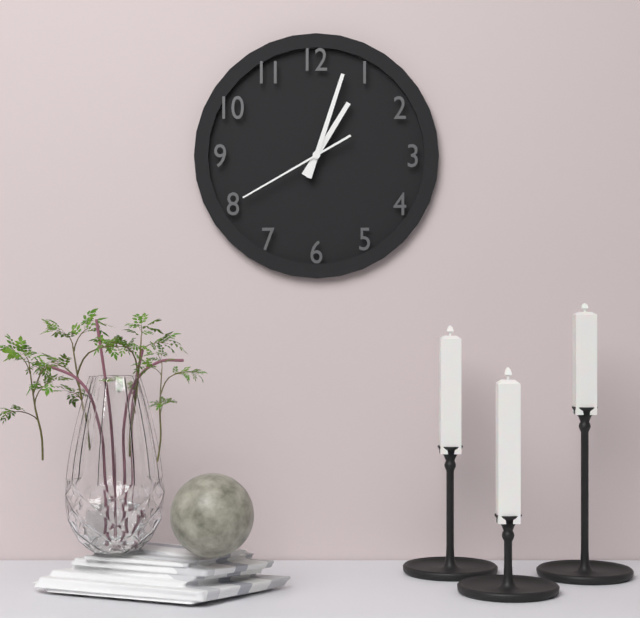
1 h 03 min 40 s
